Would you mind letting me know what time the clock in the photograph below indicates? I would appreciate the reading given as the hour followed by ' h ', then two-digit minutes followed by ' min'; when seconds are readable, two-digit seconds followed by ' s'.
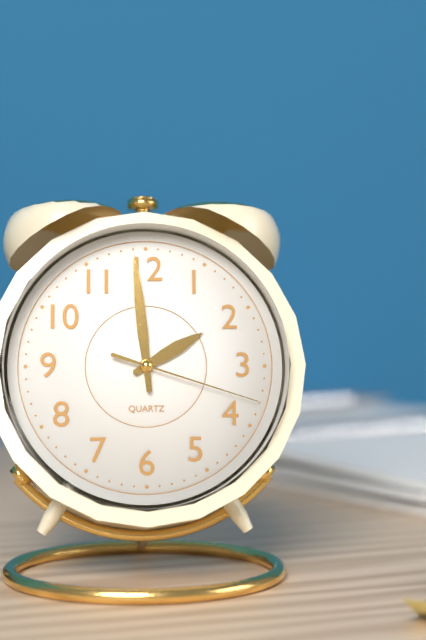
1 h 59 min 18 s
